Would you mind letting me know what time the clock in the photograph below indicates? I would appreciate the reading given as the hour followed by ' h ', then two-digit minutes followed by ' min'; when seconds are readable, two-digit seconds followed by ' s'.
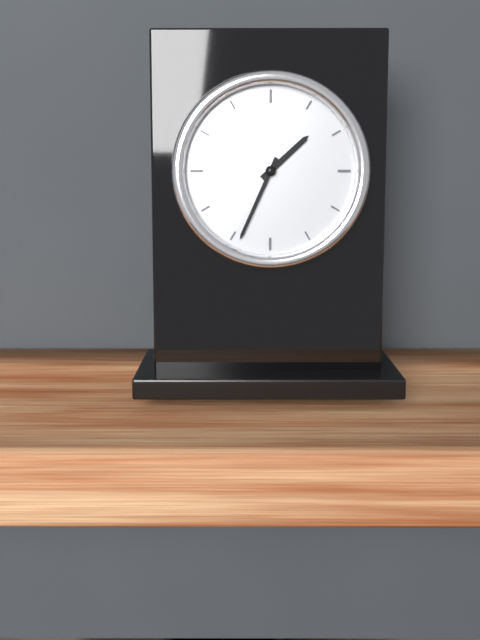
1 h 34 min
